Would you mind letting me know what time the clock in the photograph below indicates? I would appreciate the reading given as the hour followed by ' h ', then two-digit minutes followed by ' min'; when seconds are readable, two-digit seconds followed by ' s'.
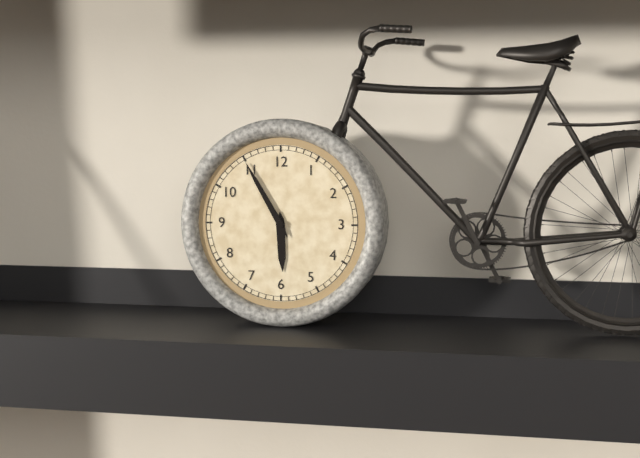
5 h 55 min
